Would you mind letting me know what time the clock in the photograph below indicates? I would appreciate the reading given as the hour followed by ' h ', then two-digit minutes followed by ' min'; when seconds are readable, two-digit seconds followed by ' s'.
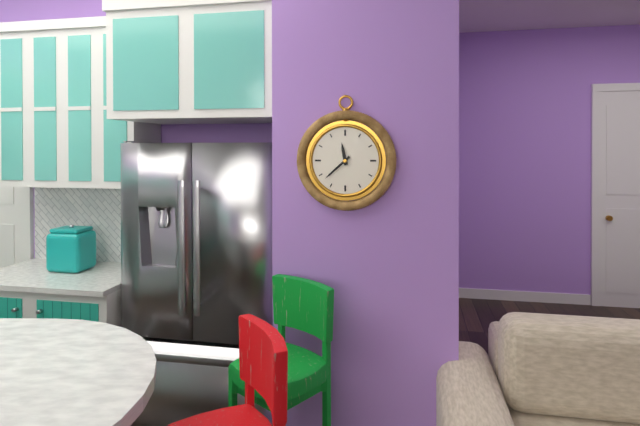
11 h 38 min
